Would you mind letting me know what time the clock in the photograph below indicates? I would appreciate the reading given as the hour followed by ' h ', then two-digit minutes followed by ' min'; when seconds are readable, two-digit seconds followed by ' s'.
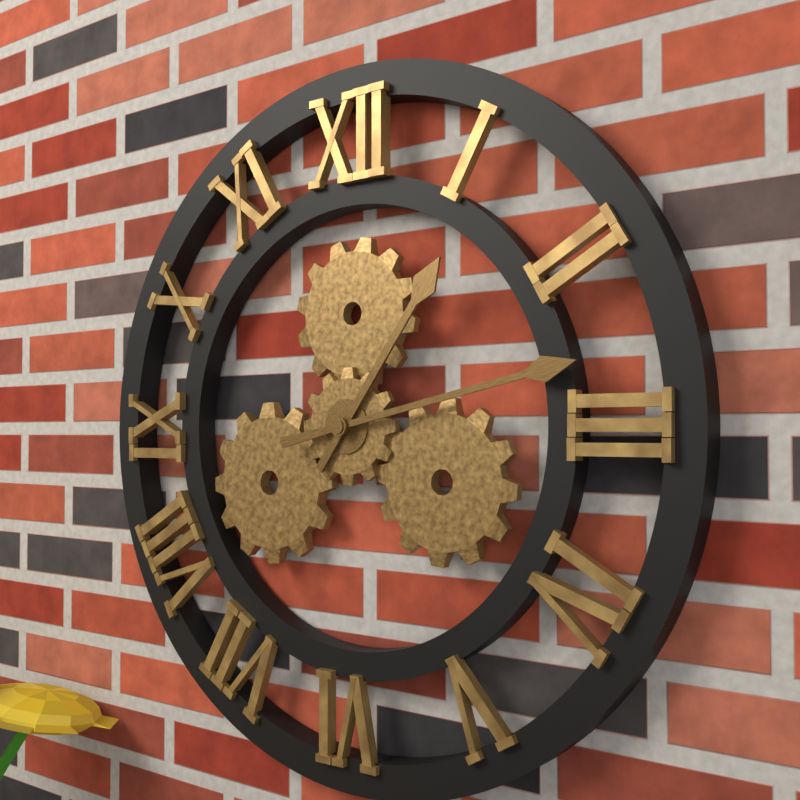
1 h 13 min
